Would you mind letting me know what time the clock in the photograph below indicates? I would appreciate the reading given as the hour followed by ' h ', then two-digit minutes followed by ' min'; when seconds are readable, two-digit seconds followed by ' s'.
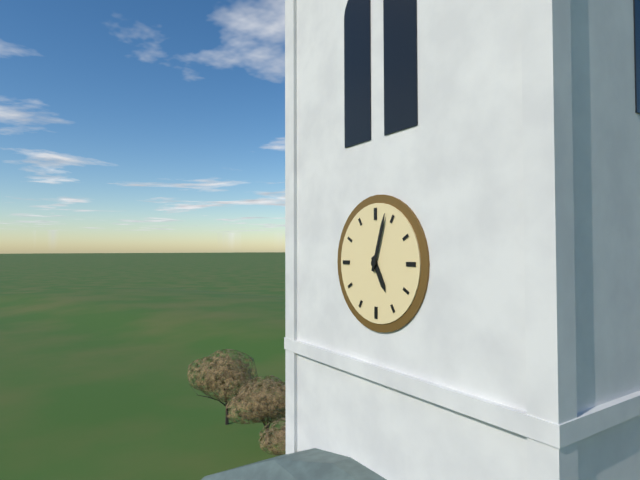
5 h 03 min
